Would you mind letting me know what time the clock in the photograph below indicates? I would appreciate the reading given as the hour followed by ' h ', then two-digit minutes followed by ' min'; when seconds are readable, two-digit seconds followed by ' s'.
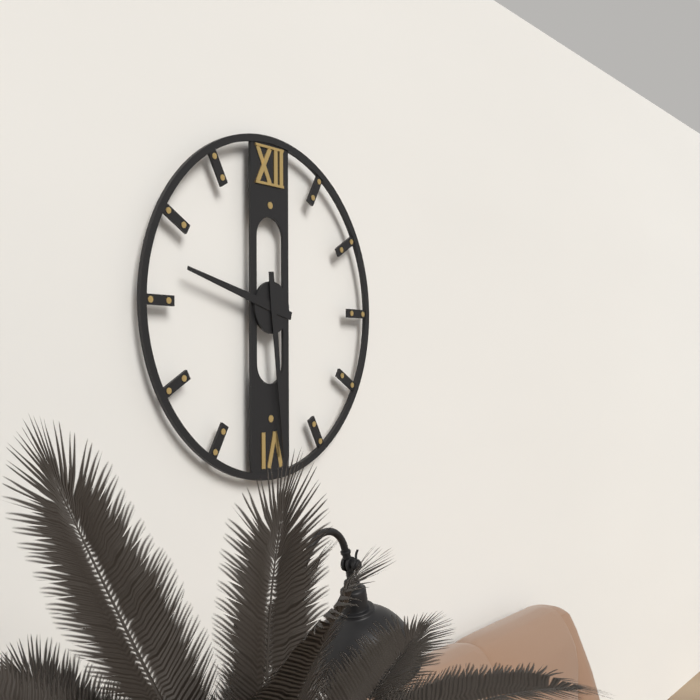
9 h 29 min
